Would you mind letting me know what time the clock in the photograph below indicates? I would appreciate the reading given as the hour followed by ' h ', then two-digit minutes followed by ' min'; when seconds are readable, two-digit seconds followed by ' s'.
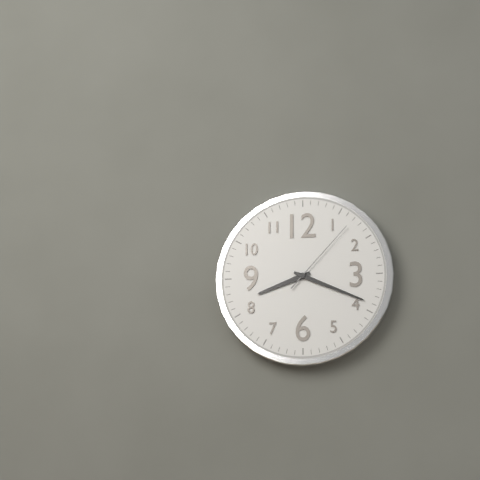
8 h 19 min 07 s
